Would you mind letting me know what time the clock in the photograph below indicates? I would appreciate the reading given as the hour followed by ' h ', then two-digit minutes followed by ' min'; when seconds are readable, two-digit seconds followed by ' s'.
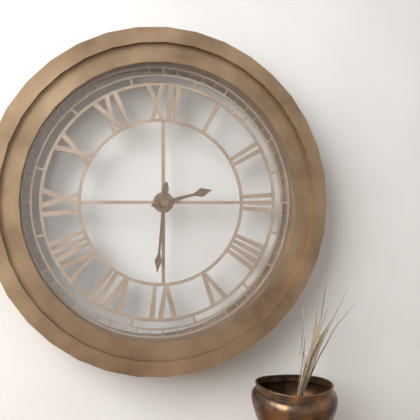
2 h 31 min
